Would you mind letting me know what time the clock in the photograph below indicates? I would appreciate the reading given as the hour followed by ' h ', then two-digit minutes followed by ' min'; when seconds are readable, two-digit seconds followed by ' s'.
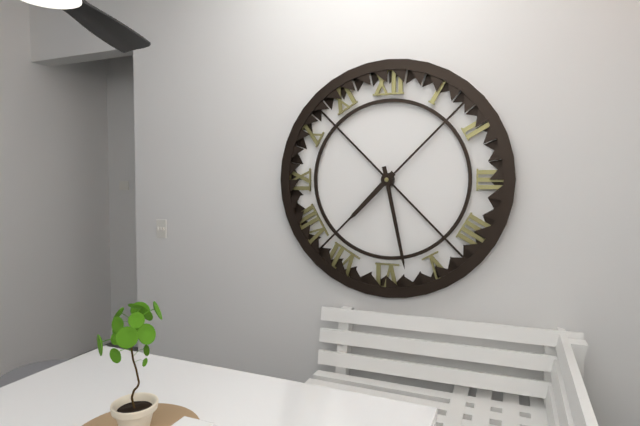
7 h 28 min
